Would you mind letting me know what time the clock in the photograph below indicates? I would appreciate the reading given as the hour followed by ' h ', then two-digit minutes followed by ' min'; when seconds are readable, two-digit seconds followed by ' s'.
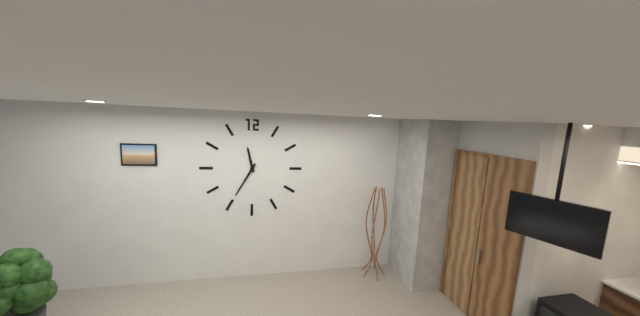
11 h 35 min
